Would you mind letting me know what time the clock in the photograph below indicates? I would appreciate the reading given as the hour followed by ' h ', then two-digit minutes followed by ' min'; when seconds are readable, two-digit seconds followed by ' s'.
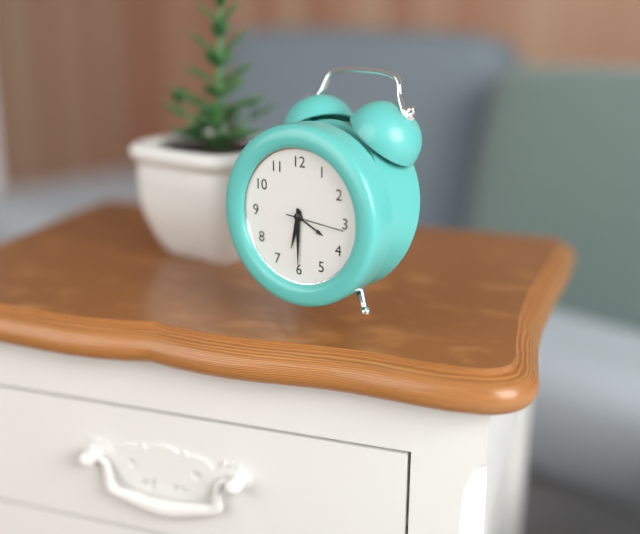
6 h 30 min 16 s
